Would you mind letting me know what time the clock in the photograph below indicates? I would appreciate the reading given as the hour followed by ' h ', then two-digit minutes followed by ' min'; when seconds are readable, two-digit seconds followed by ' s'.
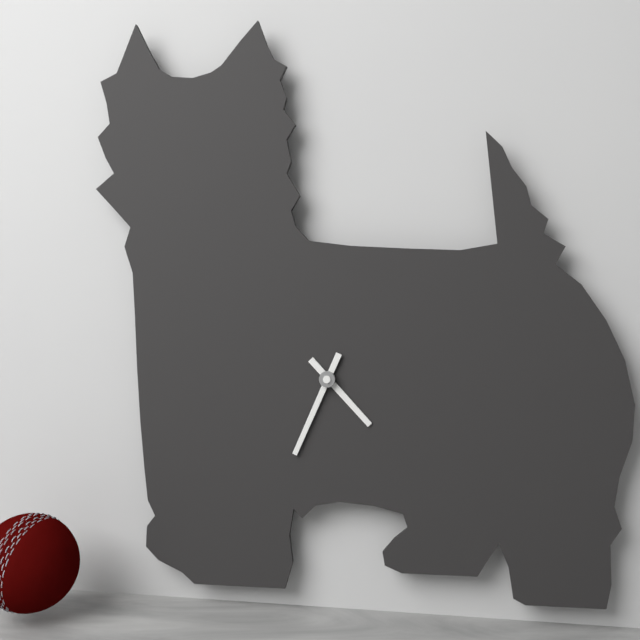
4 h 34 min
